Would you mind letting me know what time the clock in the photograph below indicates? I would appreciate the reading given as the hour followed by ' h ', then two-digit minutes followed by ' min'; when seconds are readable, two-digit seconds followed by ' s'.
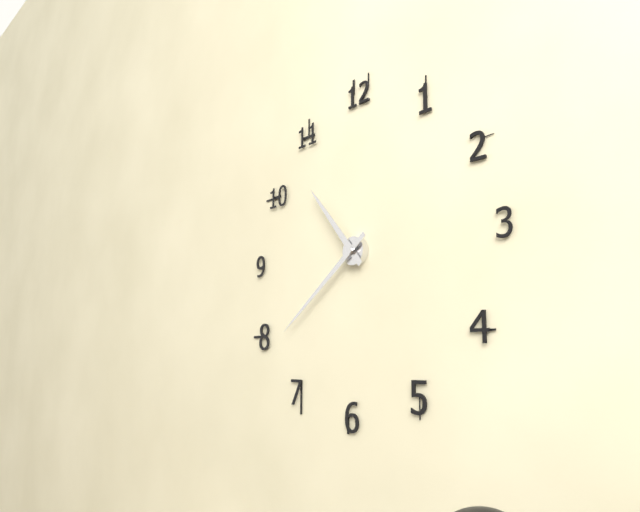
10 h 39 min
